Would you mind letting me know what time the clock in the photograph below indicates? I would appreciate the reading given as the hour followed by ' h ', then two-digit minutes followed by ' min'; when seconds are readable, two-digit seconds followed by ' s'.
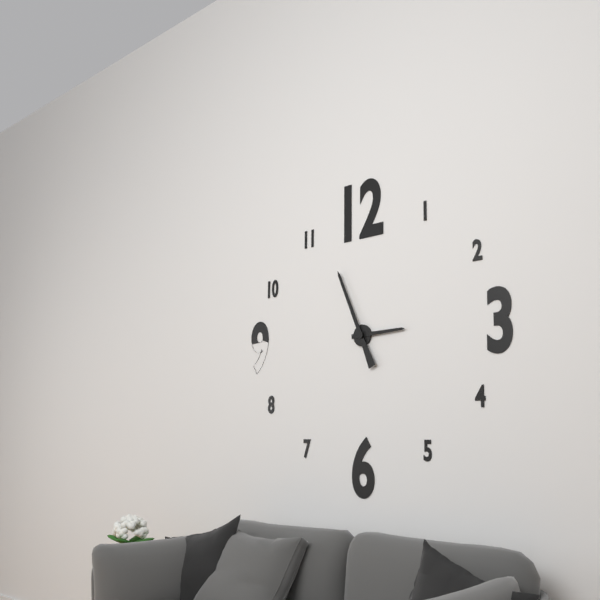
2 h 56 min
